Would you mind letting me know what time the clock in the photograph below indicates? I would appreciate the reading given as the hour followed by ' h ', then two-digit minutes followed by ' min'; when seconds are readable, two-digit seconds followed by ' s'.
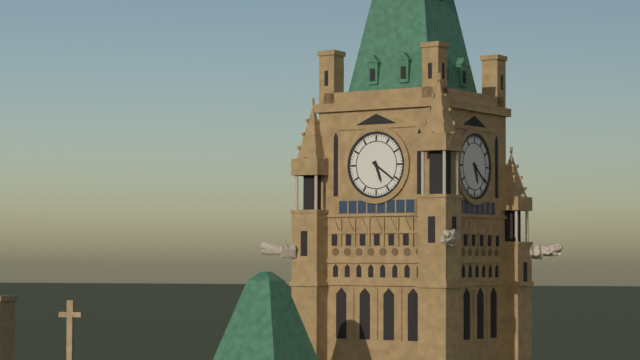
5 h 21 min
